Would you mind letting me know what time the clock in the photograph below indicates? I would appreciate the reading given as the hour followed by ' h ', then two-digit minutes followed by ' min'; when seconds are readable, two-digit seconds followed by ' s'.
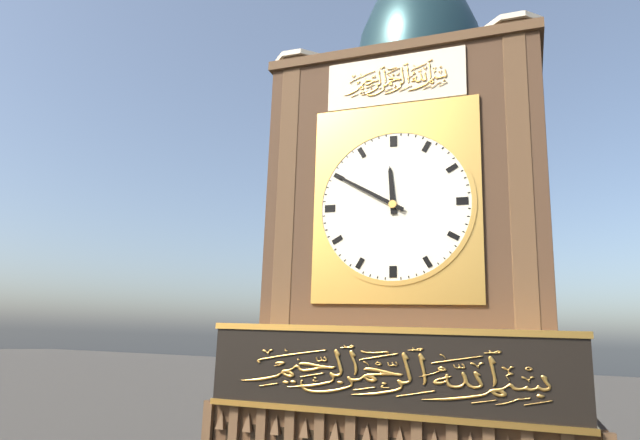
11 h 50 min
